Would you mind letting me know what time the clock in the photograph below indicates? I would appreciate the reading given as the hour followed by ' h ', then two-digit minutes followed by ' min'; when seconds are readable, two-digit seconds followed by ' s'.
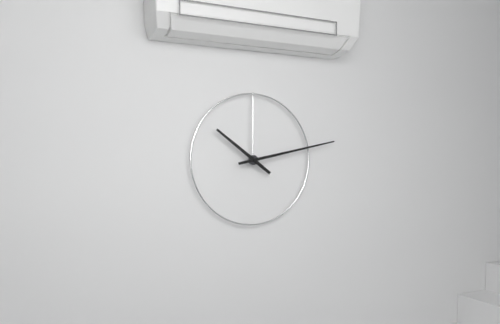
10 h 13 min
